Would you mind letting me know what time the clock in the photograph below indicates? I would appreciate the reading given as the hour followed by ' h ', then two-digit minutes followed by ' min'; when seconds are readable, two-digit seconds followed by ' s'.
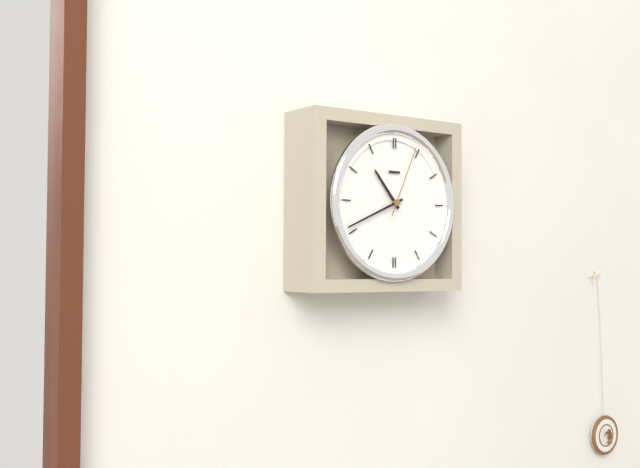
10 h 41 min 04 s
